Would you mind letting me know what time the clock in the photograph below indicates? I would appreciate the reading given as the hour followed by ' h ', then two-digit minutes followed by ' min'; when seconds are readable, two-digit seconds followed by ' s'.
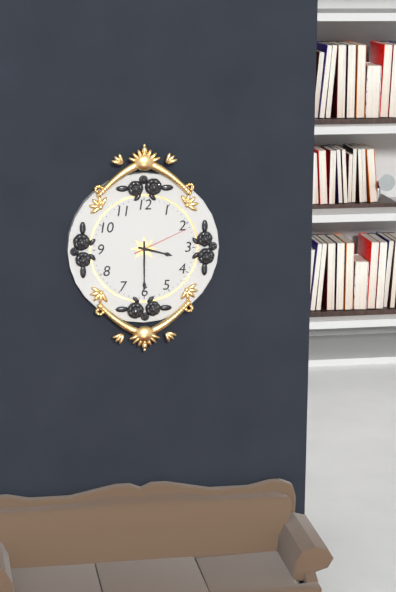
3 h 30 min 11 s
